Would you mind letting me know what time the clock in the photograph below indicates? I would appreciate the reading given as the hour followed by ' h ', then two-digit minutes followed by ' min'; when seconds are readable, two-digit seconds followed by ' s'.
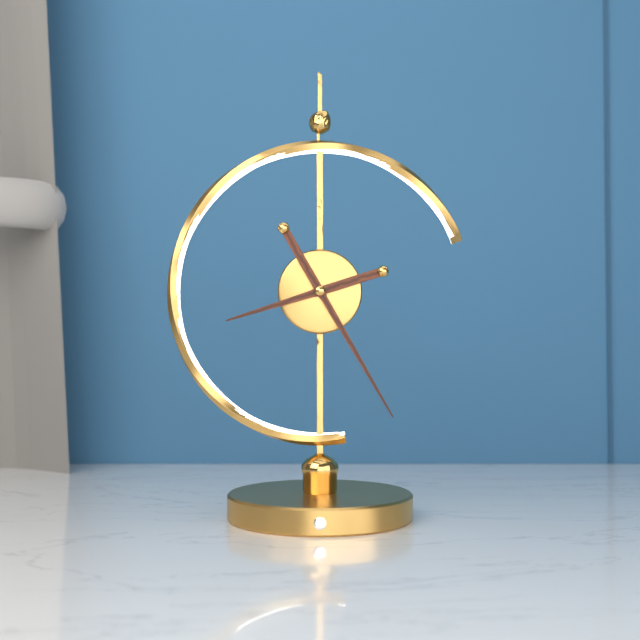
8 h 25 min
